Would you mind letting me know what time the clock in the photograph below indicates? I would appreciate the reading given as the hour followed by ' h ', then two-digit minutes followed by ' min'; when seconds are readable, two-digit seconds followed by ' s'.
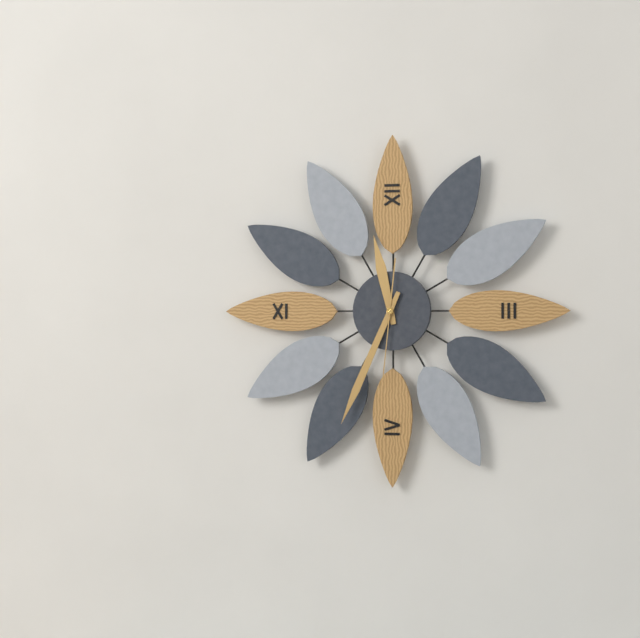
11 h 34 min 31 s
